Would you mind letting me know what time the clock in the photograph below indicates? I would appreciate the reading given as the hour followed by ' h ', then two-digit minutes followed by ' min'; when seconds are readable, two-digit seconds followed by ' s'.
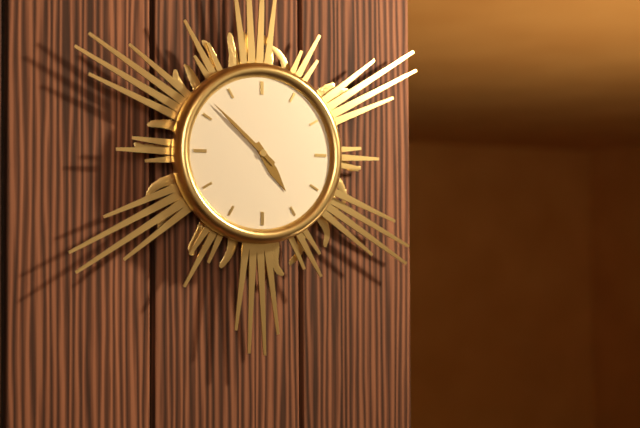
4 h 52 min
